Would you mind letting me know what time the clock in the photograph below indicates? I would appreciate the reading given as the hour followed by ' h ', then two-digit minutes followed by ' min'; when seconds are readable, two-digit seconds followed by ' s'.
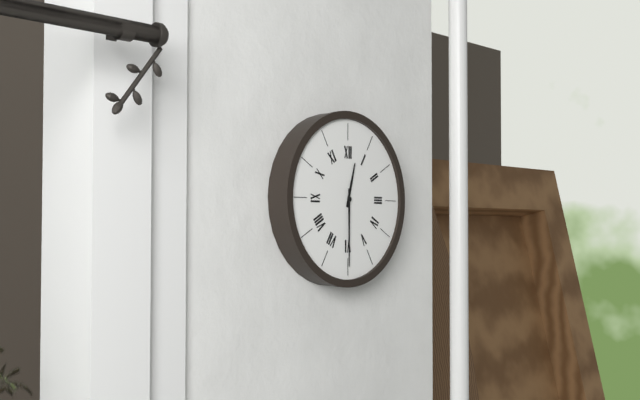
12 h 30 min
